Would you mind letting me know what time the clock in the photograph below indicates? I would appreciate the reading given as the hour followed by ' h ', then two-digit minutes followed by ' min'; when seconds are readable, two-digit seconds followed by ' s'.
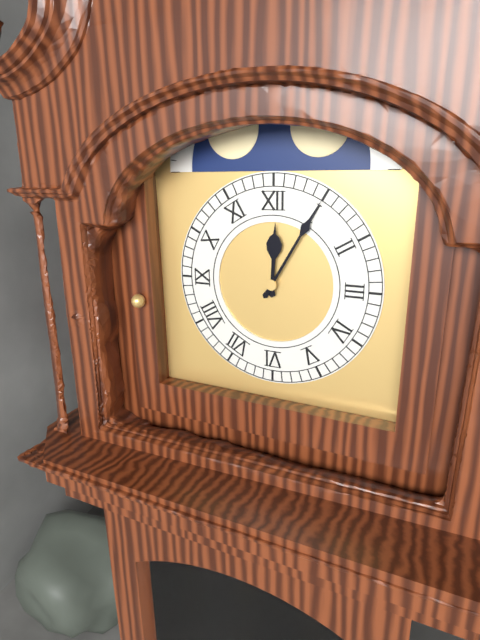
12 h 05 min
